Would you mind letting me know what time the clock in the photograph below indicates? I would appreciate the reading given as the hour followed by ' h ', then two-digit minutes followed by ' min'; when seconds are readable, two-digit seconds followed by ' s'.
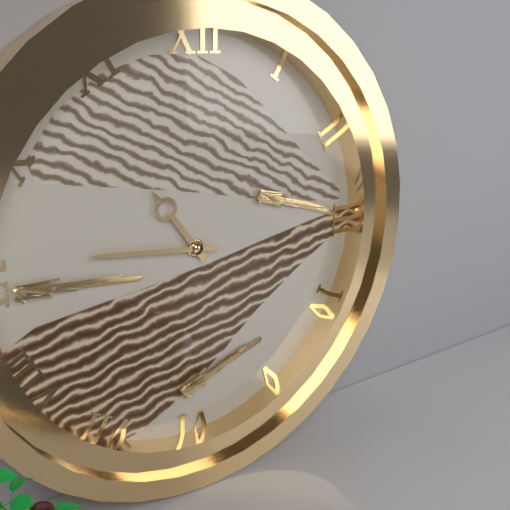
10 h 46 min
